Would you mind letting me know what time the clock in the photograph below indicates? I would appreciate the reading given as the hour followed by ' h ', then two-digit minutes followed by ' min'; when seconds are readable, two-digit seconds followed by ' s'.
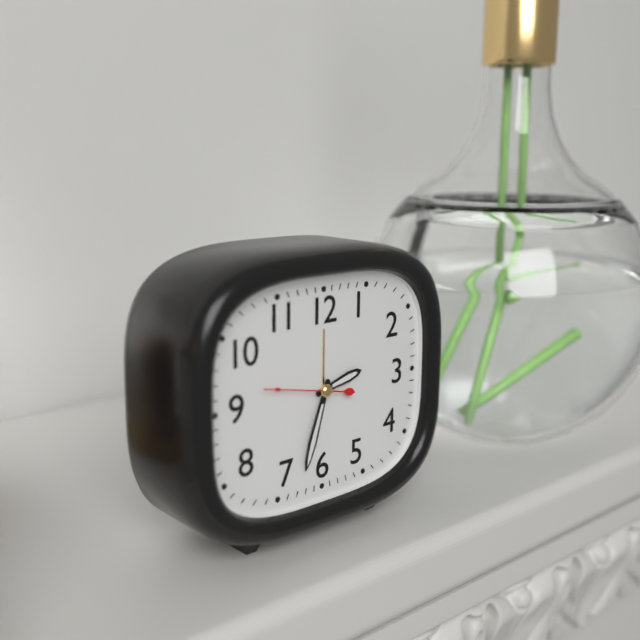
2 h 33 min
